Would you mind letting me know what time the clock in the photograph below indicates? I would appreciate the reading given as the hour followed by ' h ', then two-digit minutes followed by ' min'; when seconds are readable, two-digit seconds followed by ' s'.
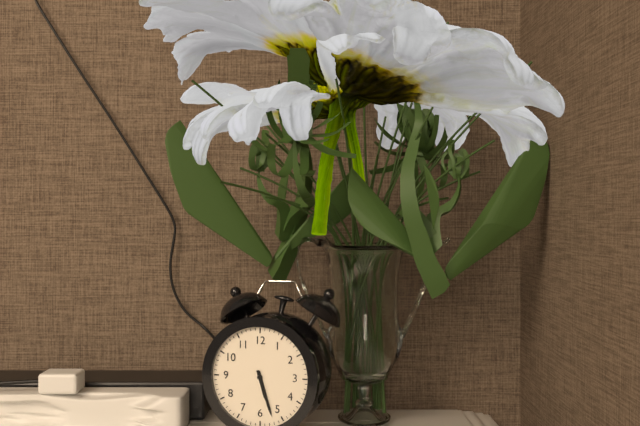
5 h 27 min
